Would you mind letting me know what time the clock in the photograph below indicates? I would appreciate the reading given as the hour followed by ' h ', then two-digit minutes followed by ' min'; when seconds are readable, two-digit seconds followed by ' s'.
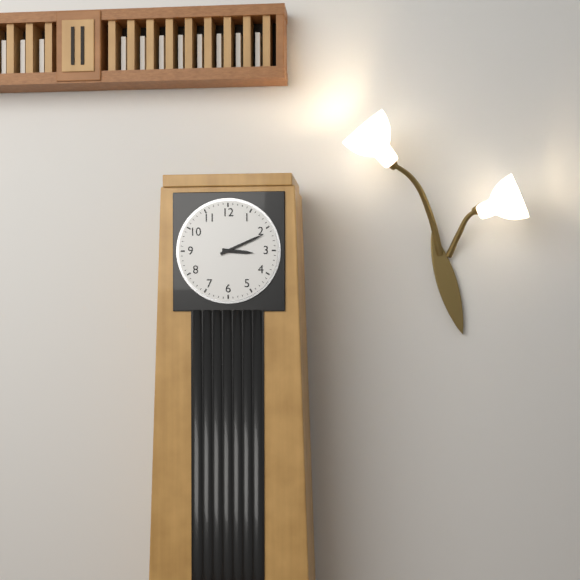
3 h 11 min
